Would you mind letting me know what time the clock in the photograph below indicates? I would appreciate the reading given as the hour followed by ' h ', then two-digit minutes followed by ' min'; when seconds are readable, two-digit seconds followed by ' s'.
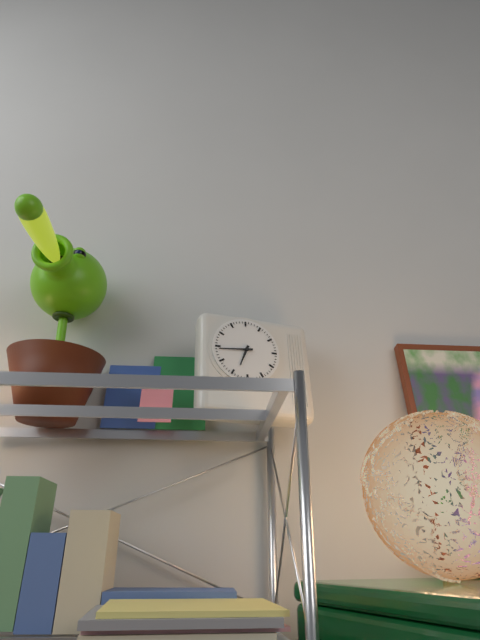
6 h 44 min
